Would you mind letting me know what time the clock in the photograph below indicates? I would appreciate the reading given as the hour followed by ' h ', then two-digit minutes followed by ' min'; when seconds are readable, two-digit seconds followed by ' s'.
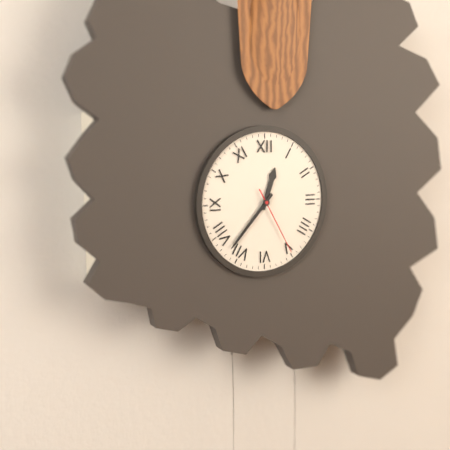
12 h 37 min 25 s
